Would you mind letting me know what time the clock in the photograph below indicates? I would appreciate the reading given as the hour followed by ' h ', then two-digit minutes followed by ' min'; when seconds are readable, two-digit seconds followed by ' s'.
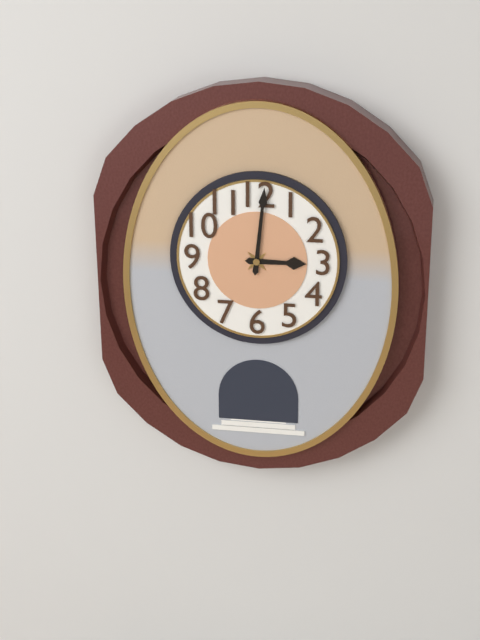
3 h 01 min
